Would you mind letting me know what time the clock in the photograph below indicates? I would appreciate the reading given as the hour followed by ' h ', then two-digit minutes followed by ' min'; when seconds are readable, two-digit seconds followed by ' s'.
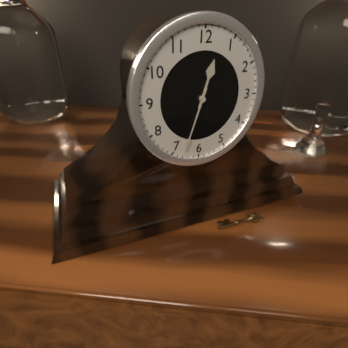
12 h 33 min
